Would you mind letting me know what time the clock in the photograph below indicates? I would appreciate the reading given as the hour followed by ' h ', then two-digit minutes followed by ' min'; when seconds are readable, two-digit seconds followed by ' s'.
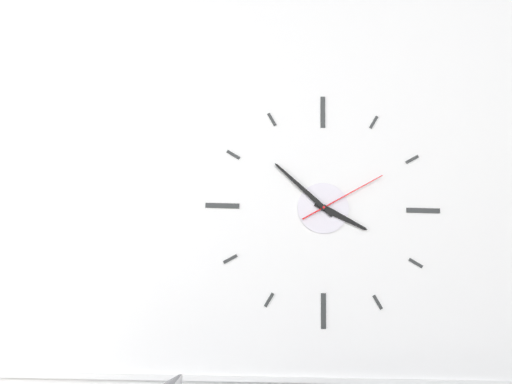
3 h 52 min 10 s
